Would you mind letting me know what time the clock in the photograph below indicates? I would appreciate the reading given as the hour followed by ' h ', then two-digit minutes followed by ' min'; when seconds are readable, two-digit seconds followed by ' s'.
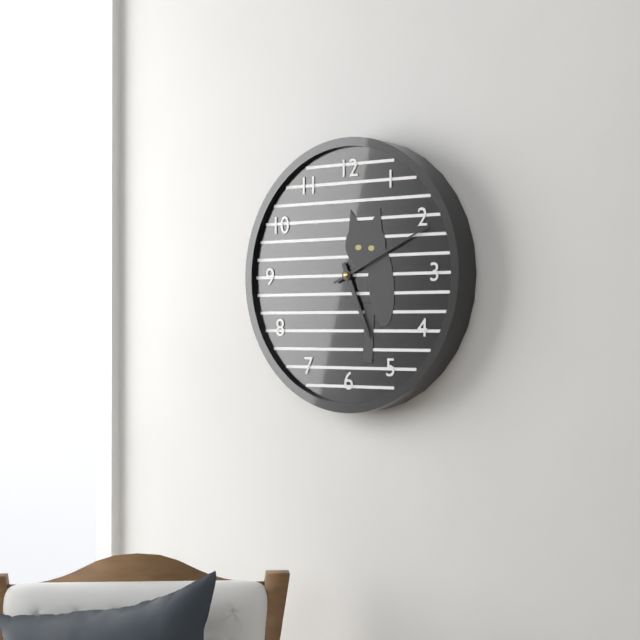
5 h 11 min
